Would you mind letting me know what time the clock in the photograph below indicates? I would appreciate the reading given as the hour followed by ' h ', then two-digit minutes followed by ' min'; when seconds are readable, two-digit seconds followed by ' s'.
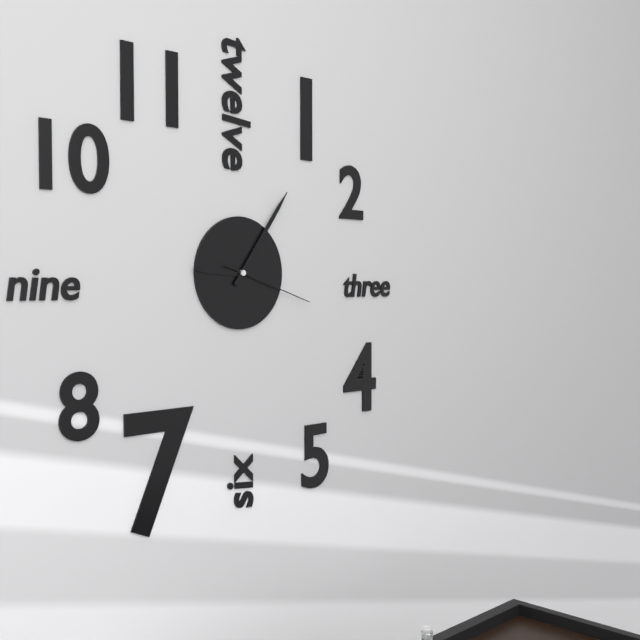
9 h 06 min 18 s
